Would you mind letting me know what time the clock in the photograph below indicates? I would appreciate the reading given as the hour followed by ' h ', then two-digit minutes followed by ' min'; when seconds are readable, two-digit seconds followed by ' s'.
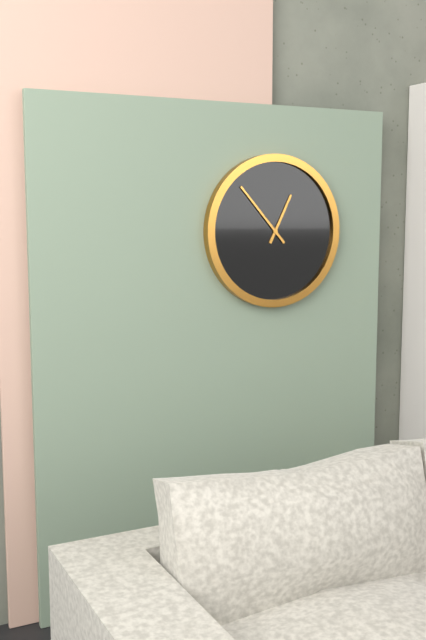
12 h 53 min
